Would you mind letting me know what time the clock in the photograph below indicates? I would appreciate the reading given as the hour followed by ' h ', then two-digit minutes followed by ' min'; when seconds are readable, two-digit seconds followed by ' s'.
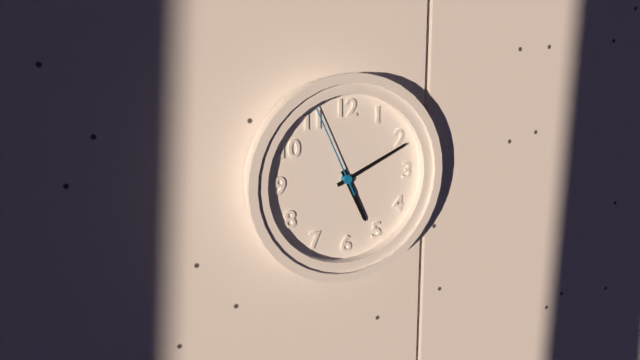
5 h 11 min 56 s
